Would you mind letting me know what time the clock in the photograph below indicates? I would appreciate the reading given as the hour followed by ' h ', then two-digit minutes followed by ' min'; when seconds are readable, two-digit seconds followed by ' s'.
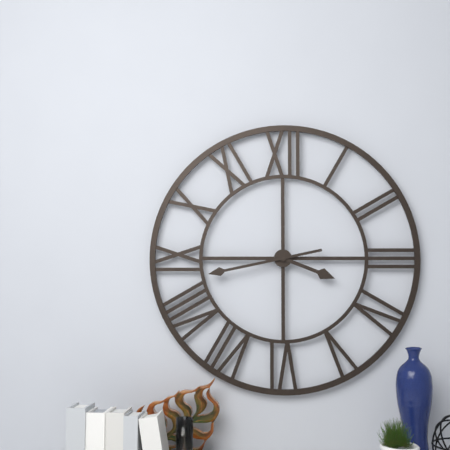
3 h 43 min
